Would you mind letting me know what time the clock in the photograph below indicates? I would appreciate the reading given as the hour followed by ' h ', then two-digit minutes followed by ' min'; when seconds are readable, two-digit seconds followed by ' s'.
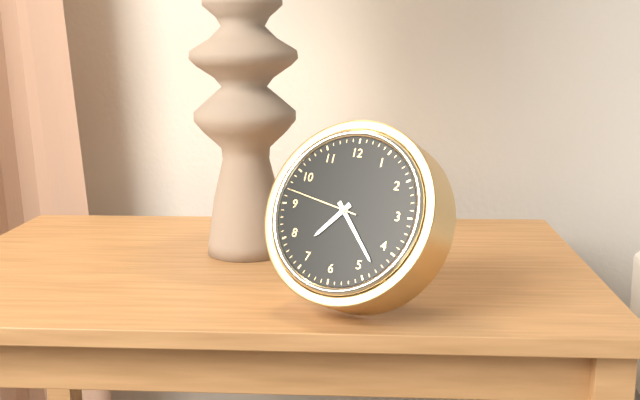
7 h 23 min 47 s
